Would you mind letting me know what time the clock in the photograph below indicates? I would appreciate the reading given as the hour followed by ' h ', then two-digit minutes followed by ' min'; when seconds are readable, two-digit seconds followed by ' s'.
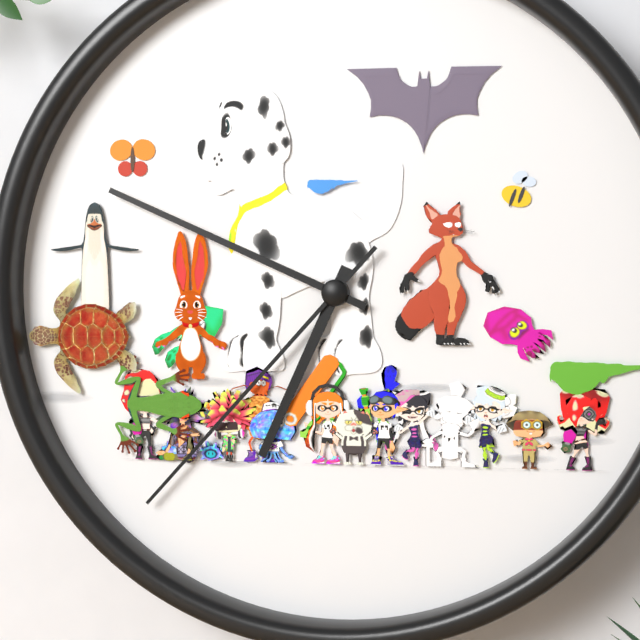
6 h 49 min 37 s
